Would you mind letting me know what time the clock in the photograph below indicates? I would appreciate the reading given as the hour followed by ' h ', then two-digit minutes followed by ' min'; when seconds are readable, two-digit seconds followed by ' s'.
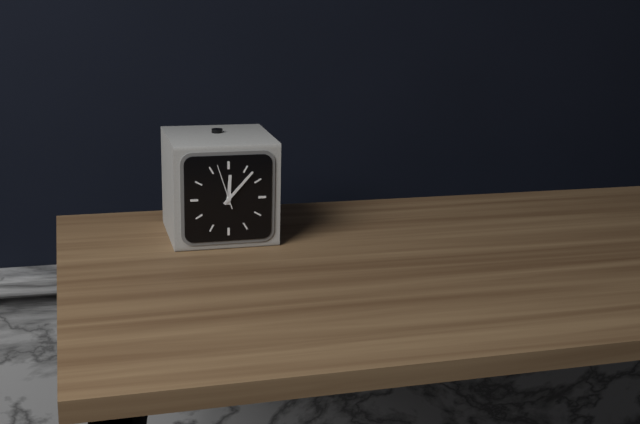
12 h 07 min
